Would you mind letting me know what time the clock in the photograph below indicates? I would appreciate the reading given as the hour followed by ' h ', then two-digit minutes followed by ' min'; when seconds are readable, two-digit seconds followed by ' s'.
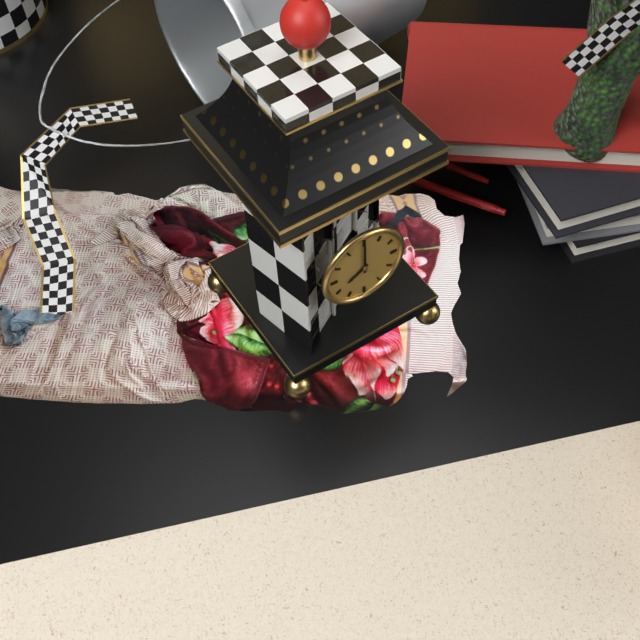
8 h 00 min
